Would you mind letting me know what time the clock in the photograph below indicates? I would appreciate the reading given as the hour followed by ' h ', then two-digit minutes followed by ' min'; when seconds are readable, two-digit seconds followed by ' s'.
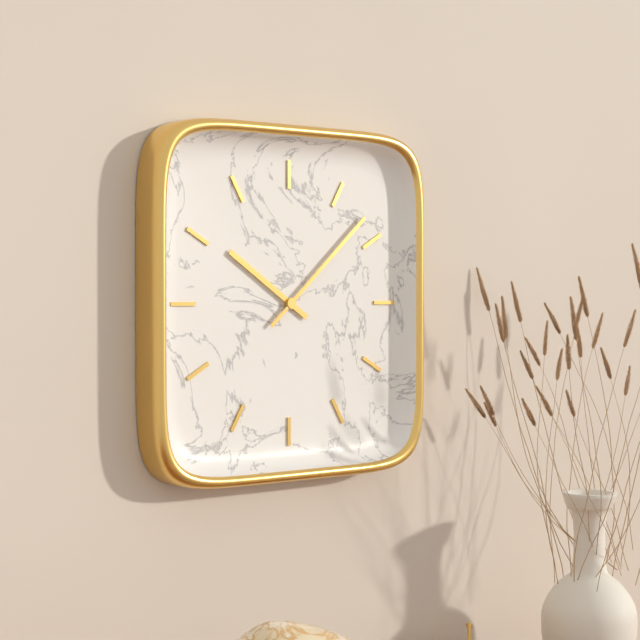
10 h 08 min
